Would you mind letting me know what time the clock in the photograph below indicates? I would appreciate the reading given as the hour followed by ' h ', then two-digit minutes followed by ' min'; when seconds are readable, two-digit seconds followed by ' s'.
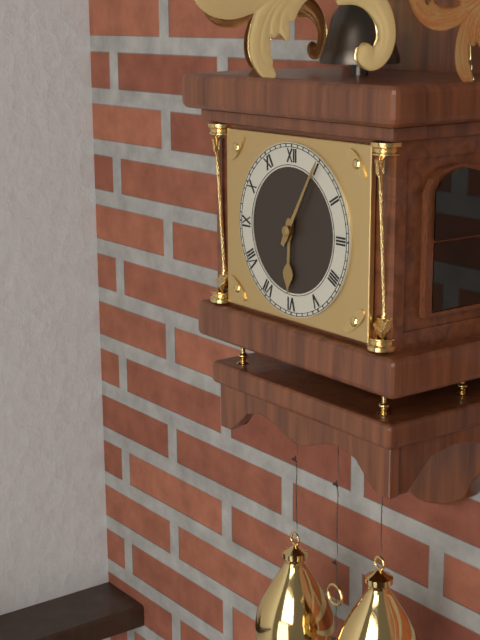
6 h 05 min
